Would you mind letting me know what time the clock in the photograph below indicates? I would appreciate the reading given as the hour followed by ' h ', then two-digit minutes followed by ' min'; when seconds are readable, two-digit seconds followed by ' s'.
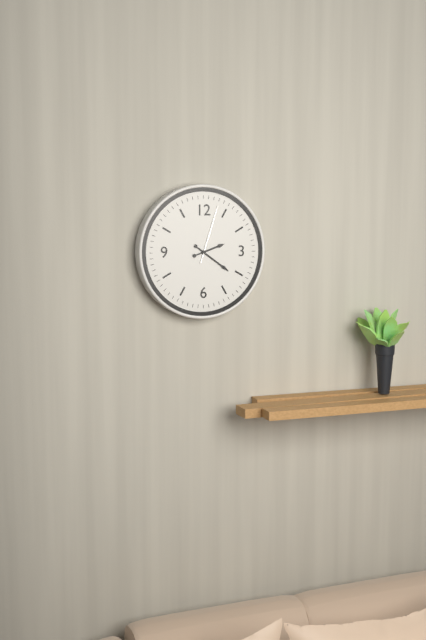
2 h 21 min 03 s
